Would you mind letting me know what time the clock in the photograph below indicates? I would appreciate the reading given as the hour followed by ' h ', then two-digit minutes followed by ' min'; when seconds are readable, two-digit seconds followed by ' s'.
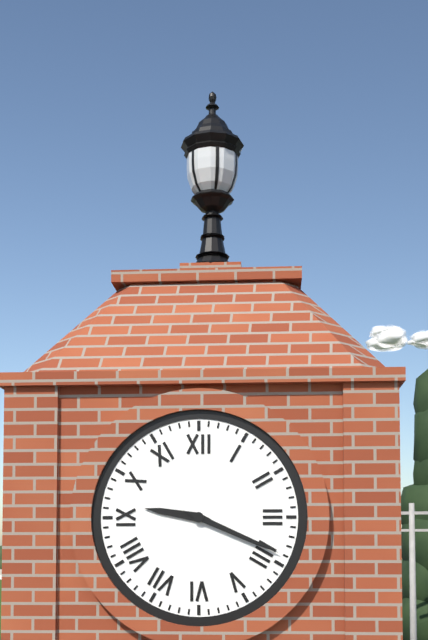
9 h 19 min
